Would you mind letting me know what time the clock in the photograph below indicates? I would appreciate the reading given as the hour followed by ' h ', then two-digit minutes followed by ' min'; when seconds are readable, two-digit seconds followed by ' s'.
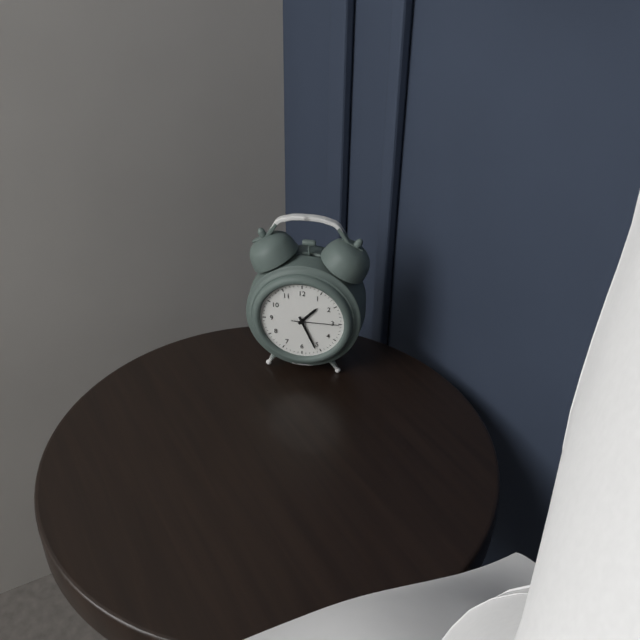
1 h 26 min
